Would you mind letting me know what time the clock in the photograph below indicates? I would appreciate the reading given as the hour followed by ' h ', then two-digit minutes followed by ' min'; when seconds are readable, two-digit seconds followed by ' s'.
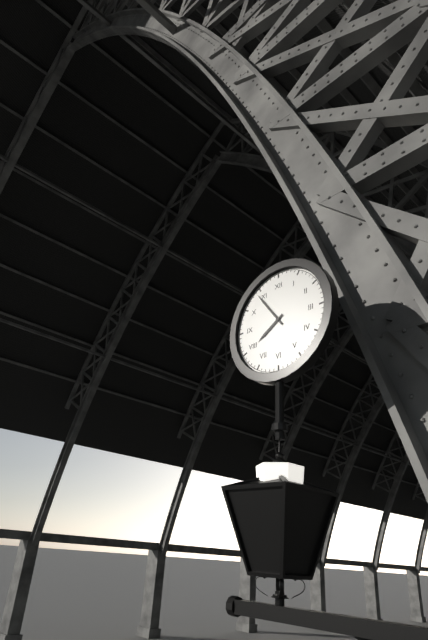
7 h 54 min
